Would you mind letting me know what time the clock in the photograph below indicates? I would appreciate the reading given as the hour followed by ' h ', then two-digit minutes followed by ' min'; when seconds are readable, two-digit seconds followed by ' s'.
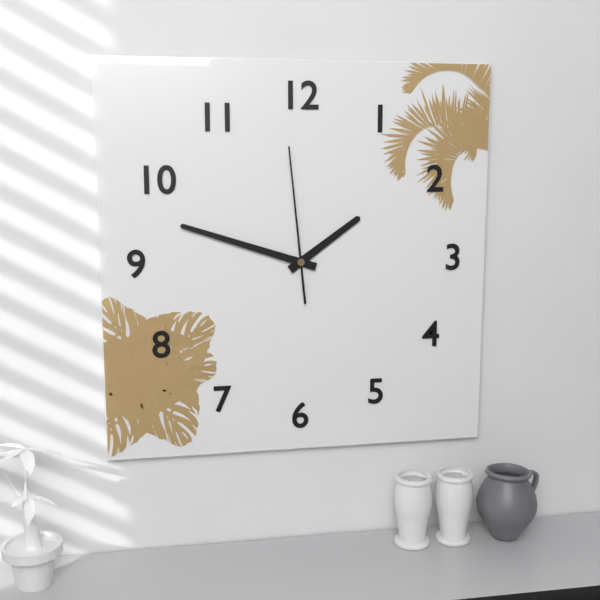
1 h 48 min 59 s
